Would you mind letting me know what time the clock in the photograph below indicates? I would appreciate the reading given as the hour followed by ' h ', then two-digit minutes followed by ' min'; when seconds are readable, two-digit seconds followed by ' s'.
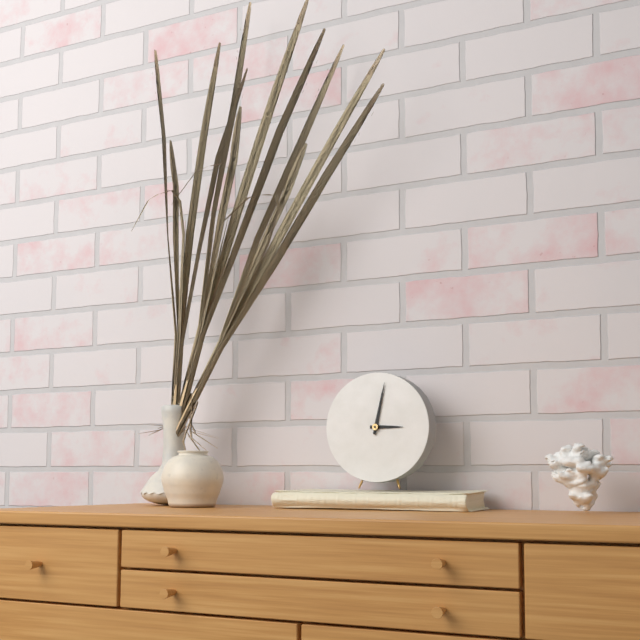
3 h 02 min
